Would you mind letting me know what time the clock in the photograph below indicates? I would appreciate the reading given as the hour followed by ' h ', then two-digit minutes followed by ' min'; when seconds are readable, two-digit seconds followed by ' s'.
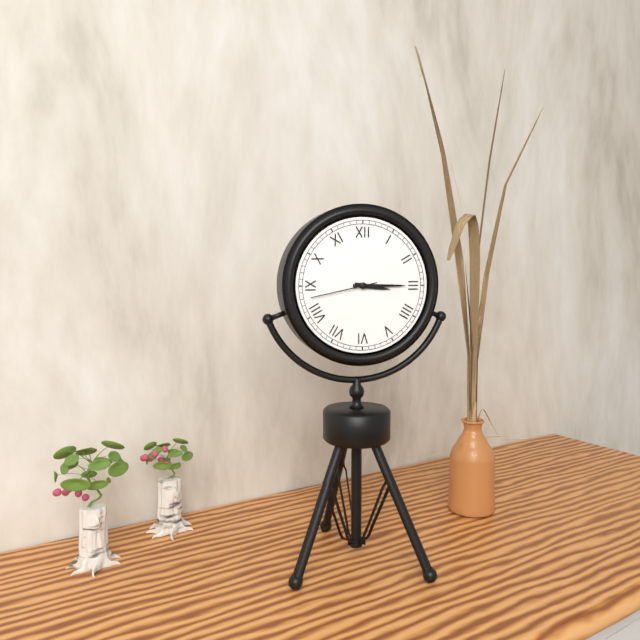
3 h 15 min 43 s
